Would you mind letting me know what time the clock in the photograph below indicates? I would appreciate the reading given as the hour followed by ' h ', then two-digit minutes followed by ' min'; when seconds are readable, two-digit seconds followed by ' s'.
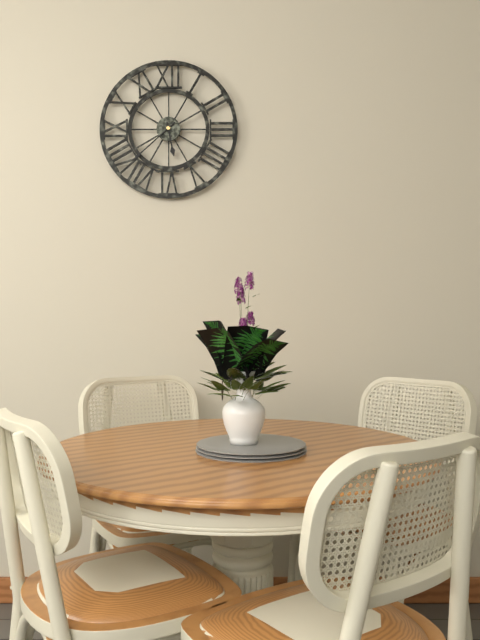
5 h 38 min
